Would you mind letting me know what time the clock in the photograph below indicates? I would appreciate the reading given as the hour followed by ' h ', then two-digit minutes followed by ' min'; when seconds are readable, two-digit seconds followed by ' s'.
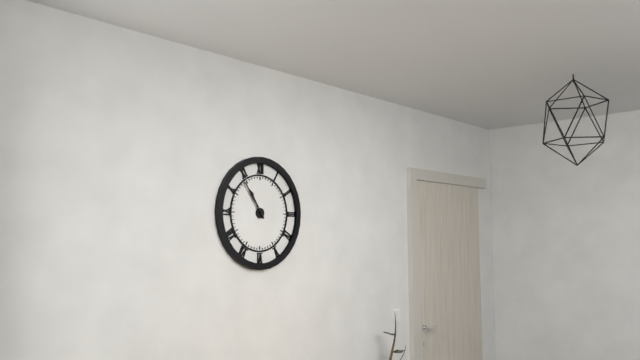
10 h 54 min
